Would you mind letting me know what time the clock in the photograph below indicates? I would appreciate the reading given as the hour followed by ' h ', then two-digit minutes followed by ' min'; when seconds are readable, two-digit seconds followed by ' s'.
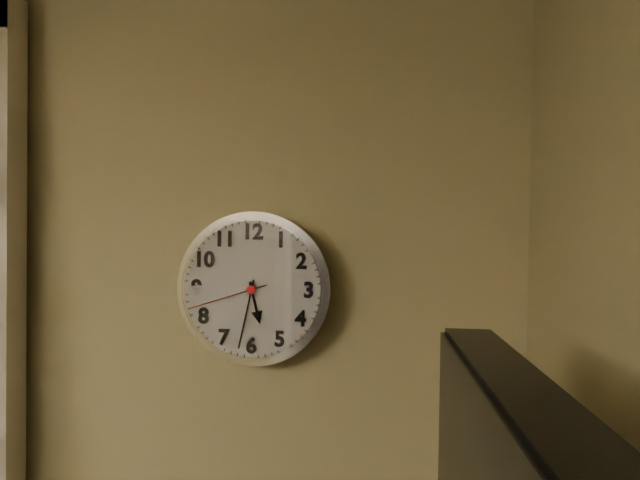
5 h 32 min 42 s
